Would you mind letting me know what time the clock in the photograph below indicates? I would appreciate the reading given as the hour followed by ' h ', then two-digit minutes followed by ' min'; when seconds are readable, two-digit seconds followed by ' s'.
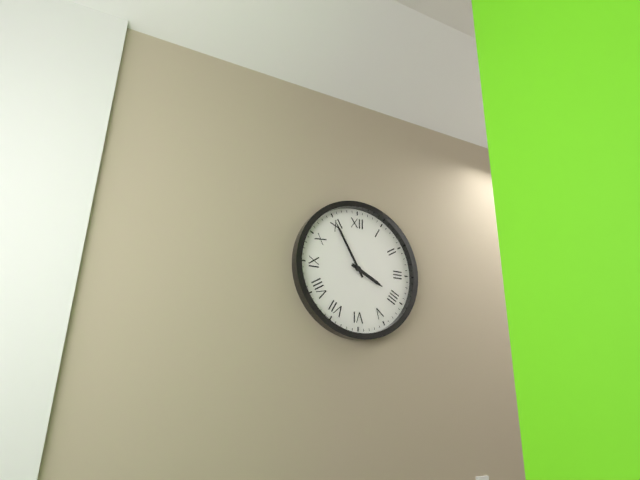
3 h 55 min
